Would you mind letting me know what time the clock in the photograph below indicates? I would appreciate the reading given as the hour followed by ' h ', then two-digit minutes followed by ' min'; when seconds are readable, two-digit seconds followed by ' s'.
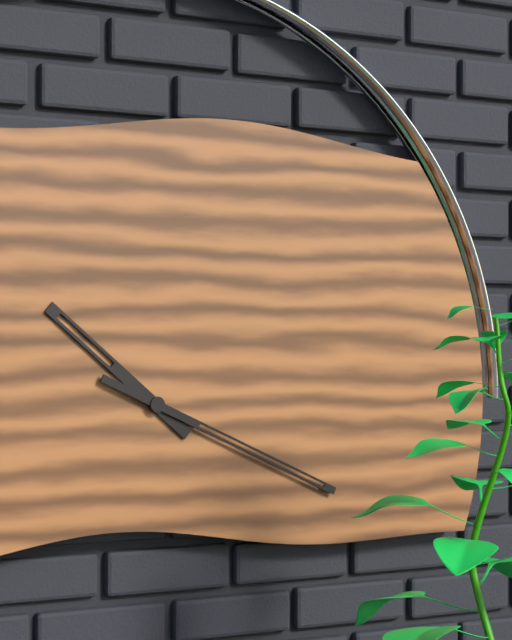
10 h 19 min
